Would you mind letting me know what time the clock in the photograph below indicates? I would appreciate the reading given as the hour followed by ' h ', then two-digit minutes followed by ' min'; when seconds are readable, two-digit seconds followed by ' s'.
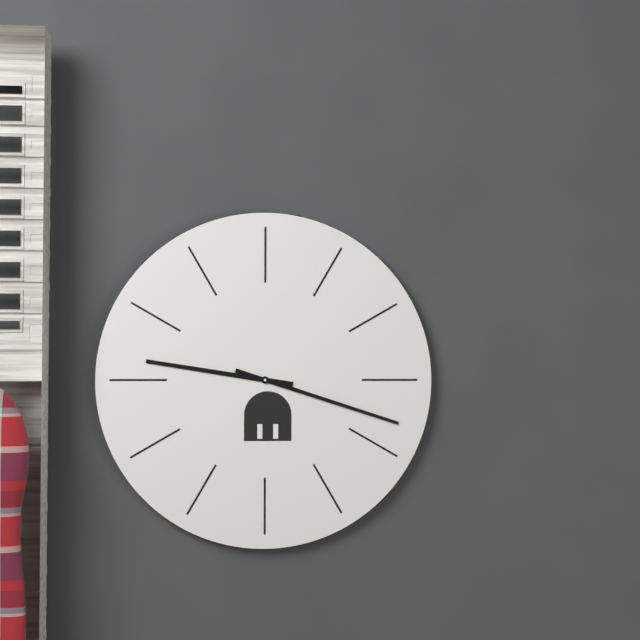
9 h 18 min
